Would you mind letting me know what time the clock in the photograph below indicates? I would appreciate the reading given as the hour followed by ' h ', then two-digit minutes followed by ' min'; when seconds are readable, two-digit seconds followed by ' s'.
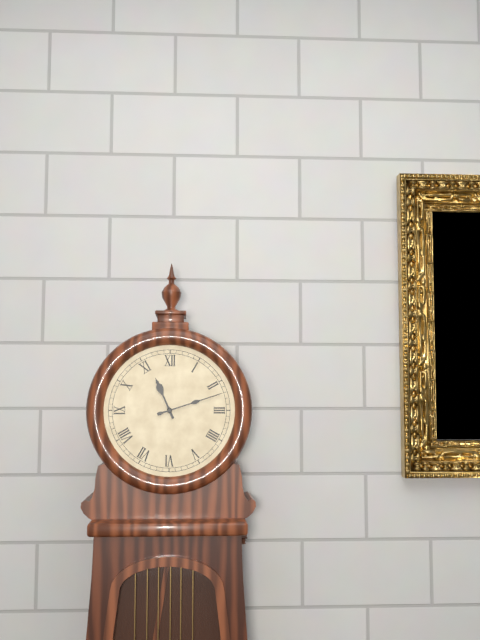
11 h 12 min
